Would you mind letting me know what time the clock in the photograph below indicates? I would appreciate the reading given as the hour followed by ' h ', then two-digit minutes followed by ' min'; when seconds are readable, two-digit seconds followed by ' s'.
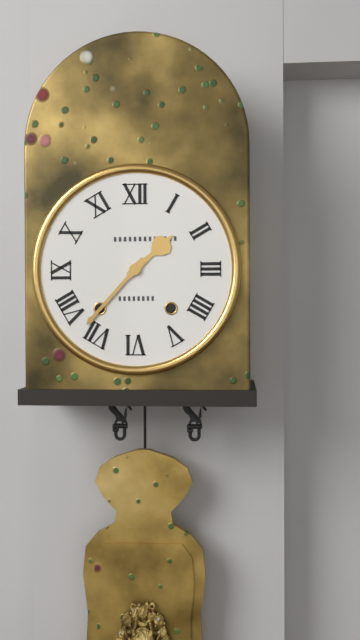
1 h 37 min
